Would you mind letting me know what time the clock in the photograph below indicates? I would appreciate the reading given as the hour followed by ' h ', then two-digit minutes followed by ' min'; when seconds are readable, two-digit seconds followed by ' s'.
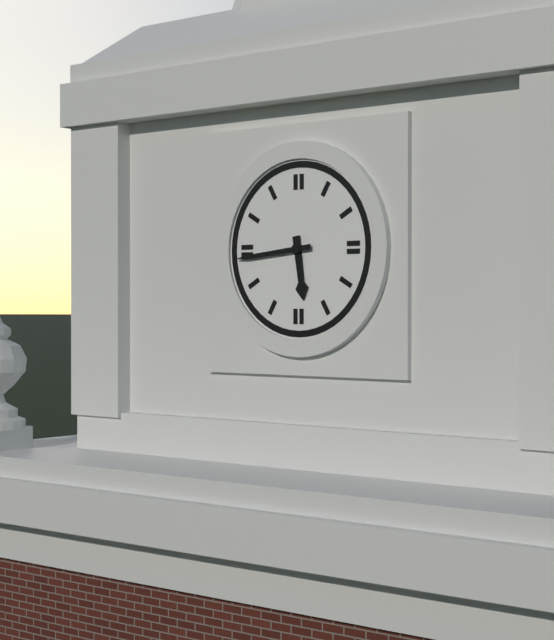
5 h 44 min
